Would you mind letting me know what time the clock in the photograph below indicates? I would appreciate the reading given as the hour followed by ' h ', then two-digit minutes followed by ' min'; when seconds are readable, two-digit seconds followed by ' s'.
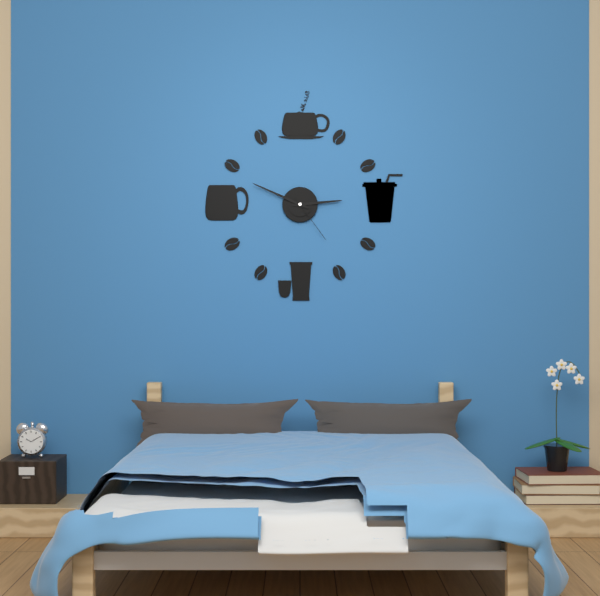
2 h 49 min 24 s
